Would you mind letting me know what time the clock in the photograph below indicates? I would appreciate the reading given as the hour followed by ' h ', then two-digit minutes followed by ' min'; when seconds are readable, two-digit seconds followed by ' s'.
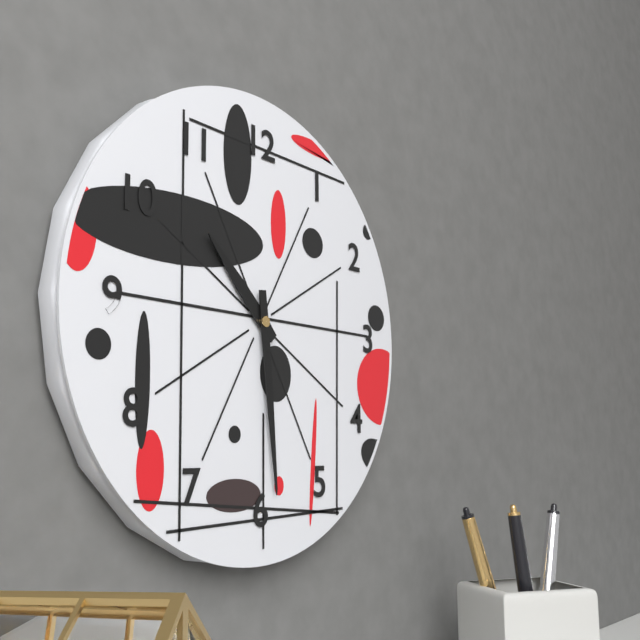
10 h 29 min
